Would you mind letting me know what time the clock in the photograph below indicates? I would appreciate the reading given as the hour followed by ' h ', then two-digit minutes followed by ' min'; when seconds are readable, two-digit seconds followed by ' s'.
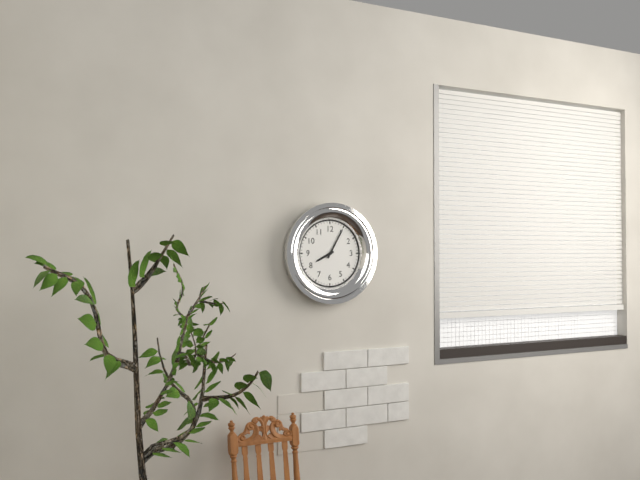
8 h 05 min
